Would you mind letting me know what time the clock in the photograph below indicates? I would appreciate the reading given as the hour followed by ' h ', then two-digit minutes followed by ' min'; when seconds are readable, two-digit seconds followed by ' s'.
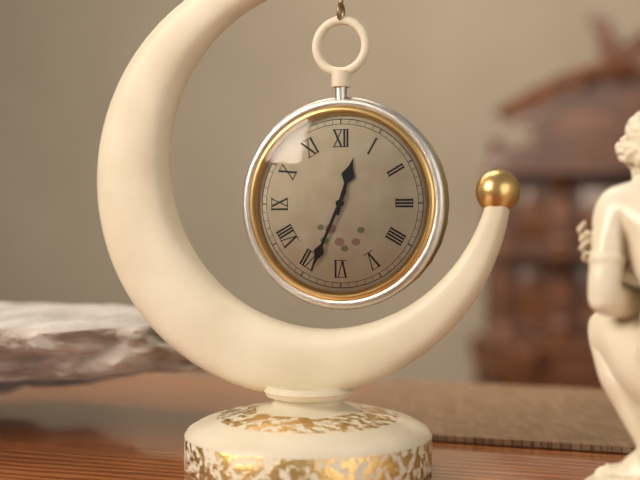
12 h 34 min
